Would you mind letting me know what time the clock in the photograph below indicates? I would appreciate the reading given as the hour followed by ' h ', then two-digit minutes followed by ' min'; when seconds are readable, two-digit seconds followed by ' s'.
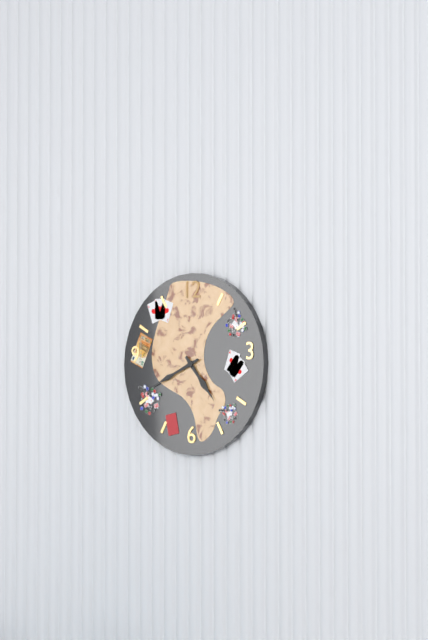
4 h 41 min
